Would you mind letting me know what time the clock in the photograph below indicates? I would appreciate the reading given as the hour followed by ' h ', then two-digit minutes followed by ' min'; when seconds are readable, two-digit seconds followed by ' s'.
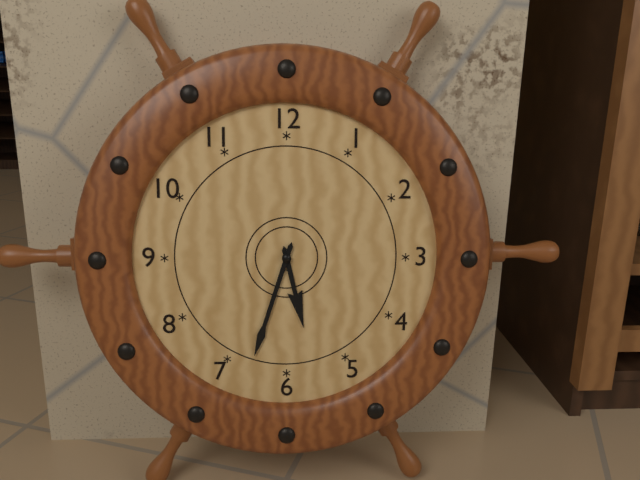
5 h 33 min
